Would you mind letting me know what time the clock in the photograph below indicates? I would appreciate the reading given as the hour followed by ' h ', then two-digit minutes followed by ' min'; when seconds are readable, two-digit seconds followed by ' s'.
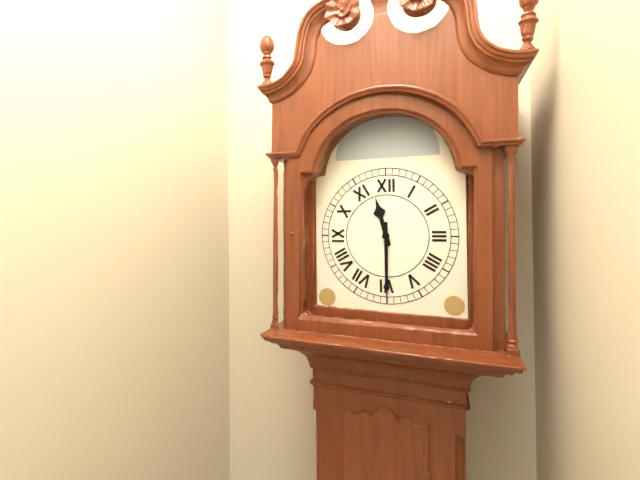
11 h 30 min
